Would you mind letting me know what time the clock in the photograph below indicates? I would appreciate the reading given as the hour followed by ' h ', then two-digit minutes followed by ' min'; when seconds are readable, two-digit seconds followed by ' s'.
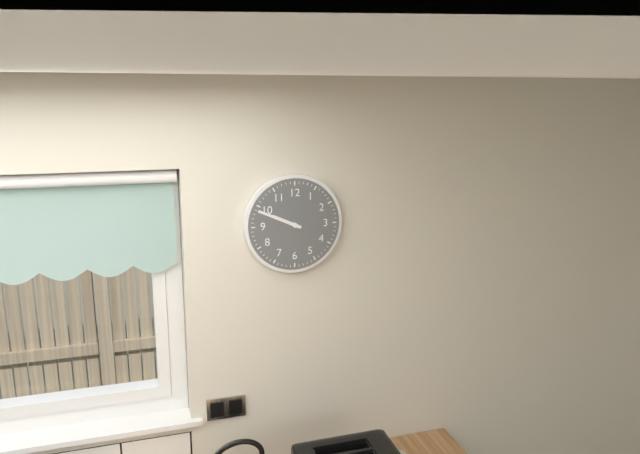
9 h 49 min
